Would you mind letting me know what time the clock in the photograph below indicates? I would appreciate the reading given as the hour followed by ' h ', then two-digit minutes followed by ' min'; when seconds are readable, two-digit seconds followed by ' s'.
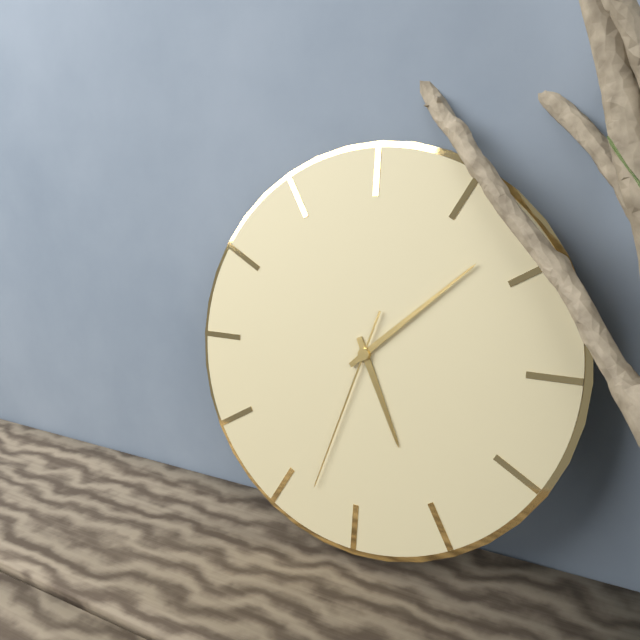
5 h 08 min 33 s
